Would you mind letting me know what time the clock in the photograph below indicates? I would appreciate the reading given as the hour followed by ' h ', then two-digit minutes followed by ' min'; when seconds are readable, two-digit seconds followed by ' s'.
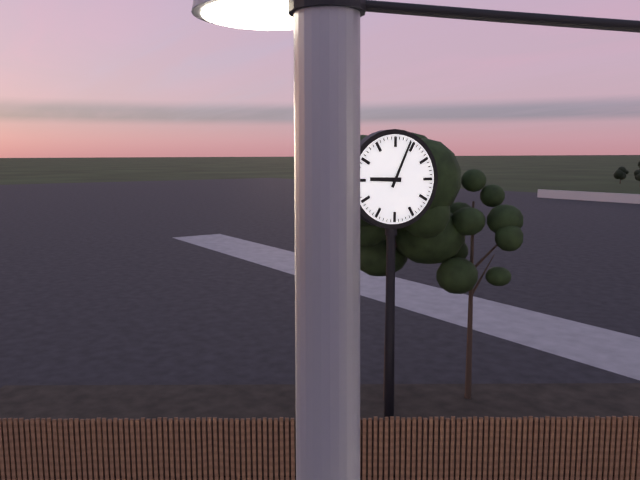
9 h 04 min
